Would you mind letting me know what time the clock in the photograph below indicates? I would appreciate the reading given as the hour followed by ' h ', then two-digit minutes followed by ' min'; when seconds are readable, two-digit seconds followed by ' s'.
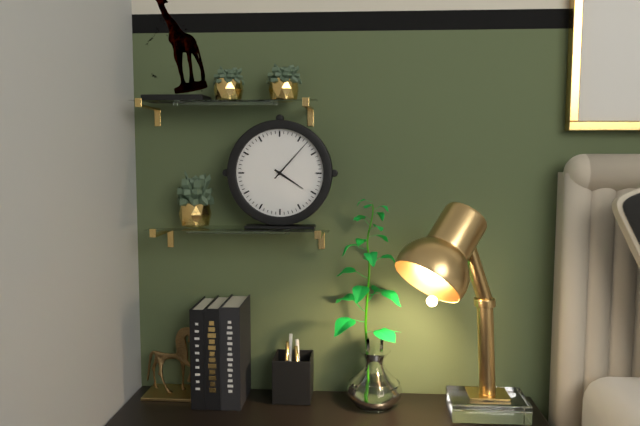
4 h 07 min
